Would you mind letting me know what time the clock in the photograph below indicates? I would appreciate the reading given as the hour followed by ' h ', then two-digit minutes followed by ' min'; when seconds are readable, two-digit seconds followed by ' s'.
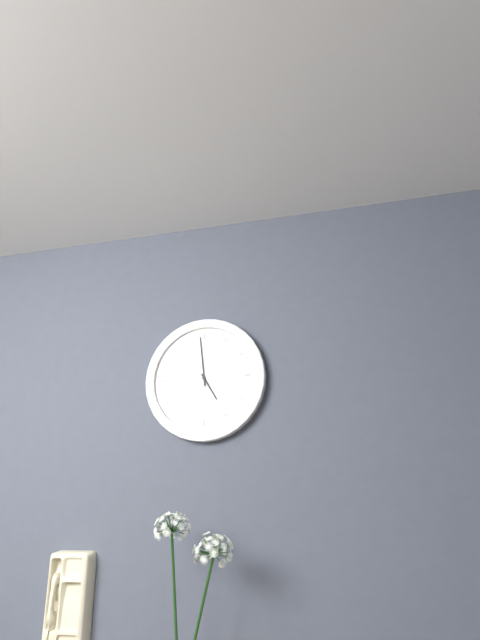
4 h 59 min
